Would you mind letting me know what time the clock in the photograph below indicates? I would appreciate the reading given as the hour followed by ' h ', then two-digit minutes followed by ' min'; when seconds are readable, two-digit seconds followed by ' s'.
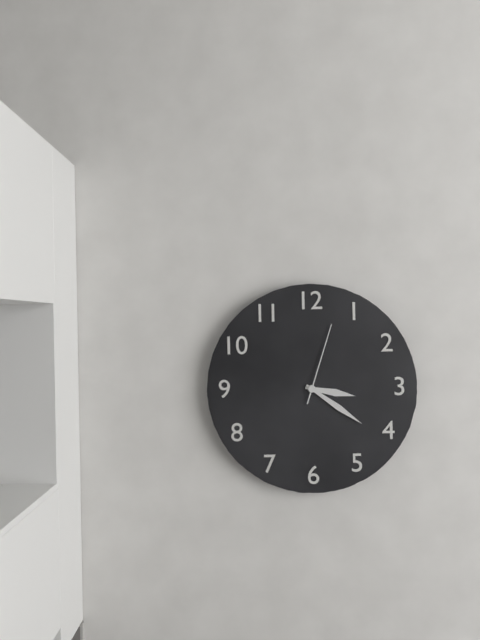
3 h 21 min 03 s
